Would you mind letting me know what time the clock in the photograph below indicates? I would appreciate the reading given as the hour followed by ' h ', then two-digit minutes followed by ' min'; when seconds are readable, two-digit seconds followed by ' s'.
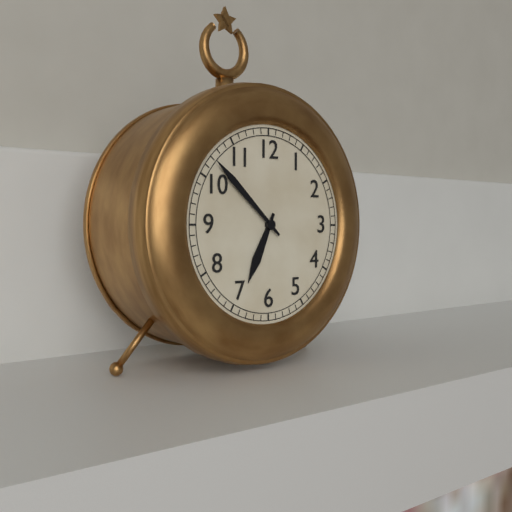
6 h 52 min
